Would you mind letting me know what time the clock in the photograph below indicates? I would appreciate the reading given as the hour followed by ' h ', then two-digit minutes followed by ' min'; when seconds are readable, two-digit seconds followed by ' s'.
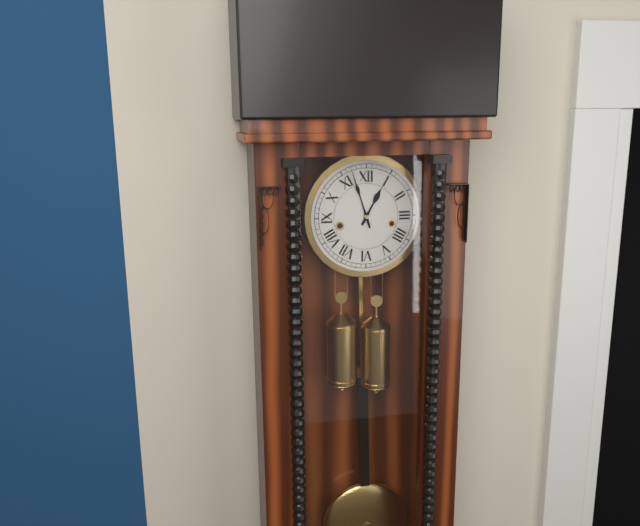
12 h 57 min
